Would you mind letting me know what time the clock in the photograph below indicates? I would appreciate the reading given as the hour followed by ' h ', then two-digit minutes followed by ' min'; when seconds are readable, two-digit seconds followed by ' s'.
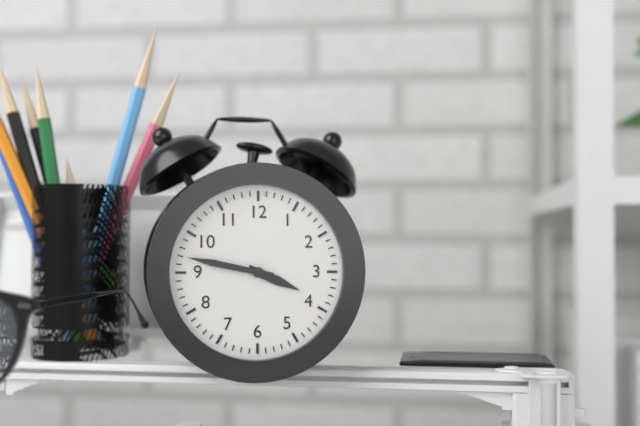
3 h 47 min
